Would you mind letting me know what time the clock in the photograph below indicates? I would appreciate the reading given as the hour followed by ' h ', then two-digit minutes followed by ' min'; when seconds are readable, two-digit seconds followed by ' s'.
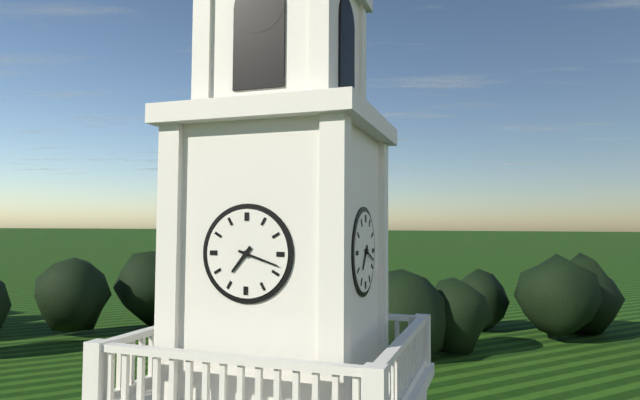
7 h 18 min
